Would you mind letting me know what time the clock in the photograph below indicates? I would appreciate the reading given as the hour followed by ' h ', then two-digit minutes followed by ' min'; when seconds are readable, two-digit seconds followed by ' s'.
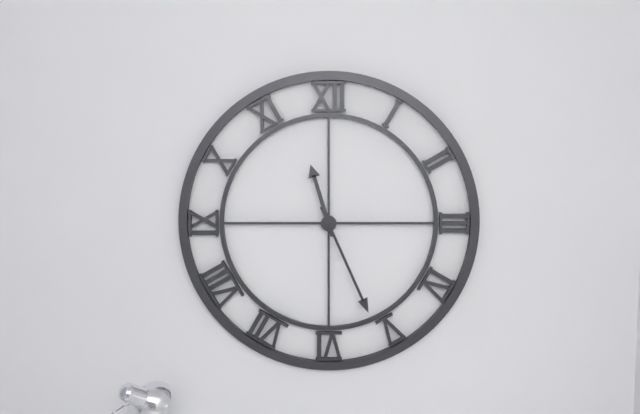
11 h 26 min
